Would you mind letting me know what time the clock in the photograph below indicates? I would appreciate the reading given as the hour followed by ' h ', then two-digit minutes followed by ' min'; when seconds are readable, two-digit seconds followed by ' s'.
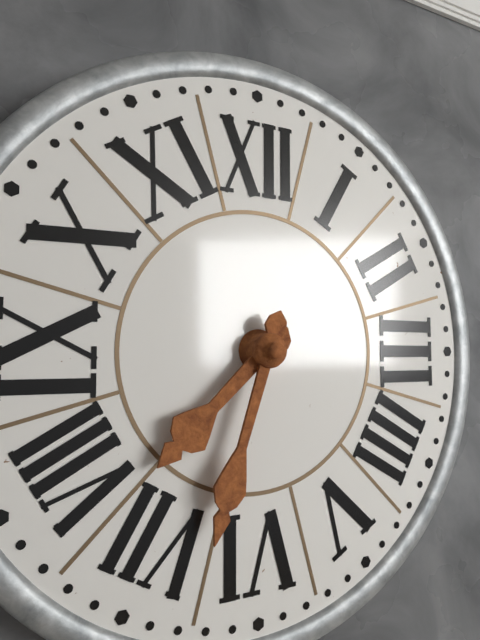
7 h 33 min
